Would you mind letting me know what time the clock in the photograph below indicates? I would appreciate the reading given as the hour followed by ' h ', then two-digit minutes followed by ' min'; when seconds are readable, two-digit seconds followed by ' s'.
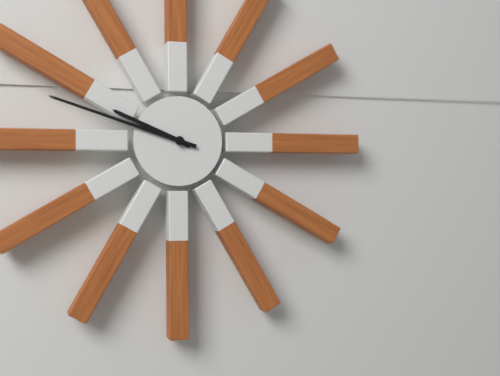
9 h 48 min
